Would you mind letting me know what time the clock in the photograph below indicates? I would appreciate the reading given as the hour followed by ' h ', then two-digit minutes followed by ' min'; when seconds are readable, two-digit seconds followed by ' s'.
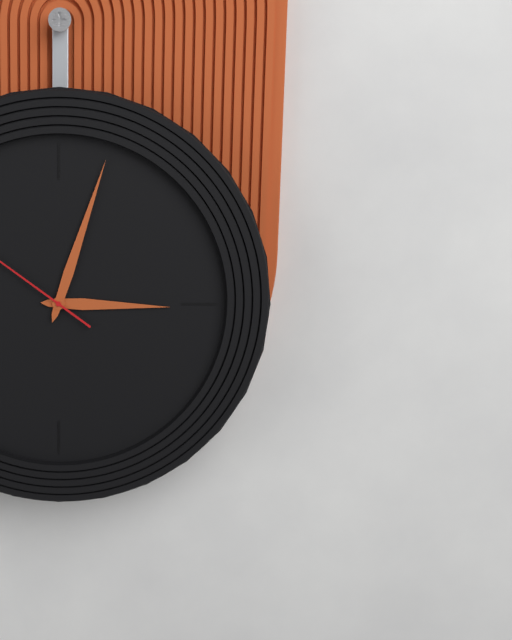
3 h 03 min
